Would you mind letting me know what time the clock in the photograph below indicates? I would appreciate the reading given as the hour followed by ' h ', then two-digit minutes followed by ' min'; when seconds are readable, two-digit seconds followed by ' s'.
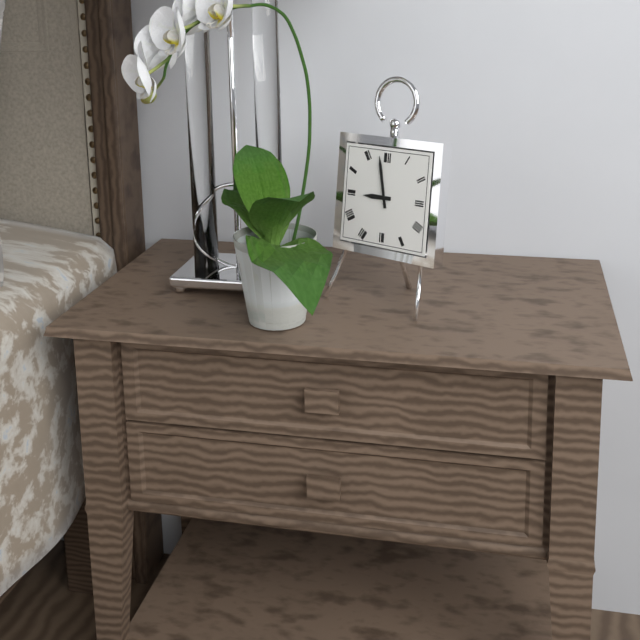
8 h 58 min
